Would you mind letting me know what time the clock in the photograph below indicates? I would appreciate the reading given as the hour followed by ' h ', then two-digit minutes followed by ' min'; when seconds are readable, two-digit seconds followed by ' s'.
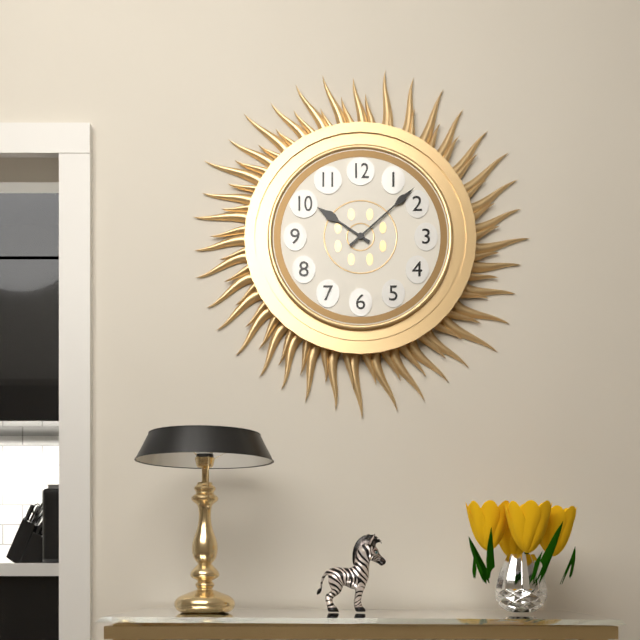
10 h 08 min
